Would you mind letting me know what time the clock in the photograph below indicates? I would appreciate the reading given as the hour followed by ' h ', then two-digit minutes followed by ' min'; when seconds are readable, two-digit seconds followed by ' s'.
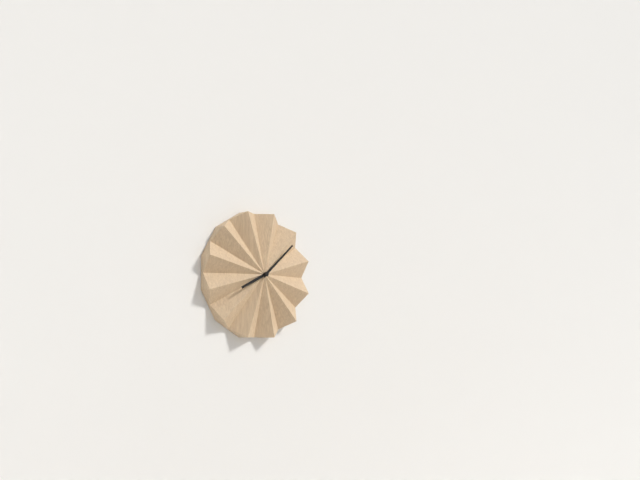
8 h 08 min
